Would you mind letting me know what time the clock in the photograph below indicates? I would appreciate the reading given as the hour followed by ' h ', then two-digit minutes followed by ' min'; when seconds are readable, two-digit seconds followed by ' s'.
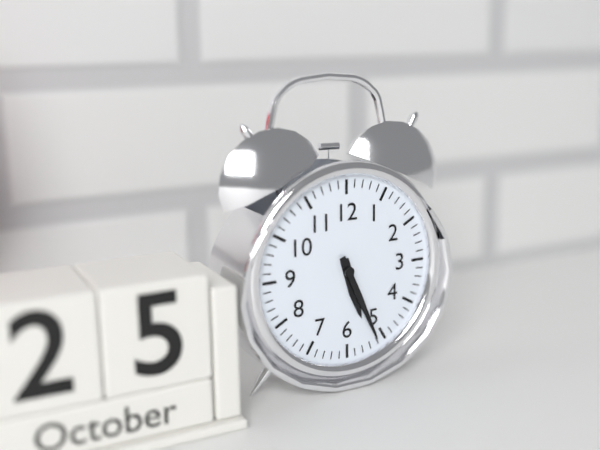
5 h 26 min
